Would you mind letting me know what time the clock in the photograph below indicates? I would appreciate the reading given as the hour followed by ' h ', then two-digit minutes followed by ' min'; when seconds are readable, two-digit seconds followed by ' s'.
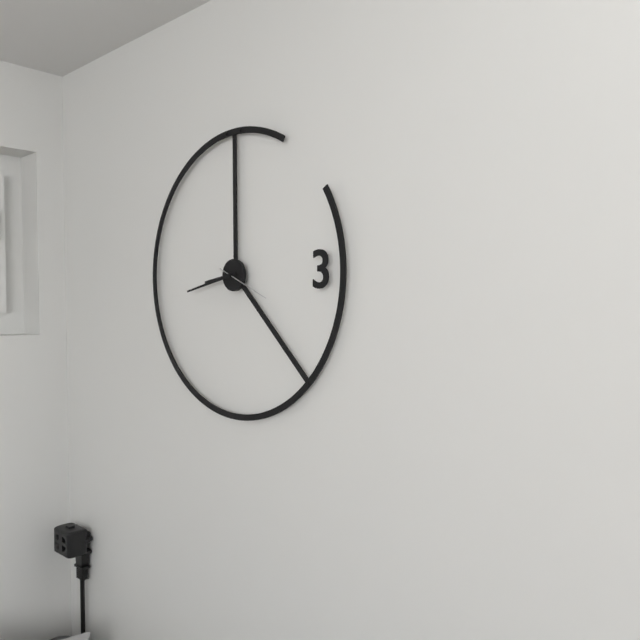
8 h 43 min
